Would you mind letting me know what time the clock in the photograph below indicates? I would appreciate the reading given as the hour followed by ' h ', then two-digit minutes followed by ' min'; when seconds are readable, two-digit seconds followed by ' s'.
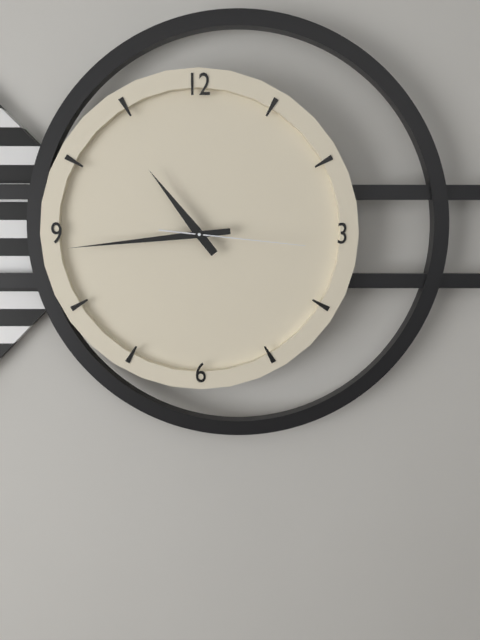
10 h 44 min 16 s
